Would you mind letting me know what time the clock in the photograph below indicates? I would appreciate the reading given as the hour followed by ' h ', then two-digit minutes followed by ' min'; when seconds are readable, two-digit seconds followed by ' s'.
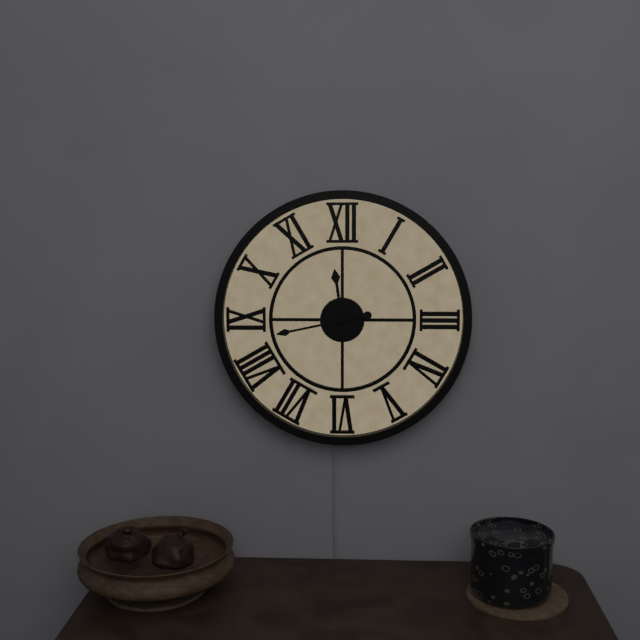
11 h 43 min
